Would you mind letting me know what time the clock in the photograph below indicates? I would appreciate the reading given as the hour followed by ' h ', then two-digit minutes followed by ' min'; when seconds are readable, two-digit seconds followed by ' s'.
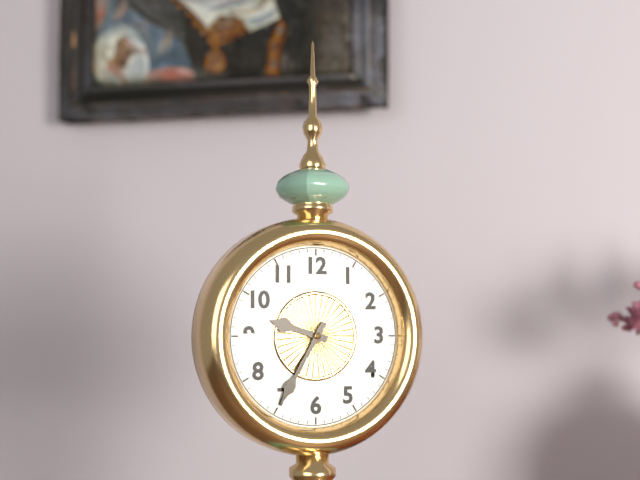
9 h 35 min
